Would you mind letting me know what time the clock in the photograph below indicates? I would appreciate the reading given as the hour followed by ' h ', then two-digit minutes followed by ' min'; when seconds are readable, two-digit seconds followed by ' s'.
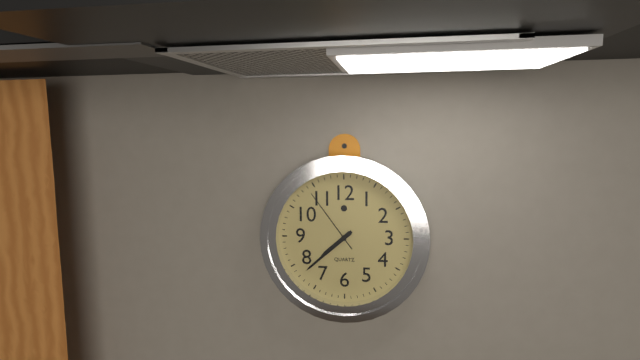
7 h 38 min 54 s
